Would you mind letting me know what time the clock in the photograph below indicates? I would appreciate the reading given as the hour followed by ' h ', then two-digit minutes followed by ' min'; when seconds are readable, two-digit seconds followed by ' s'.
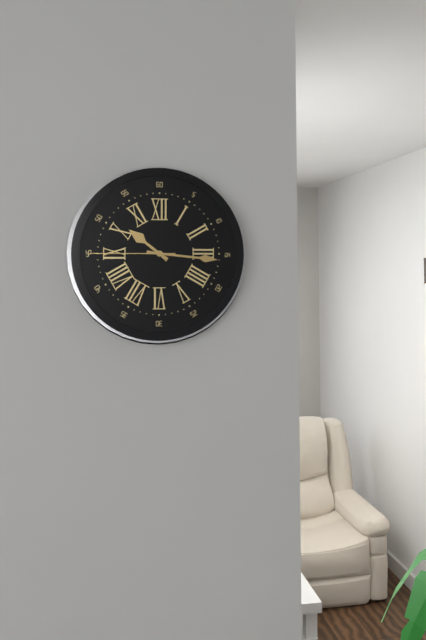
10 h 16 min 45 s
